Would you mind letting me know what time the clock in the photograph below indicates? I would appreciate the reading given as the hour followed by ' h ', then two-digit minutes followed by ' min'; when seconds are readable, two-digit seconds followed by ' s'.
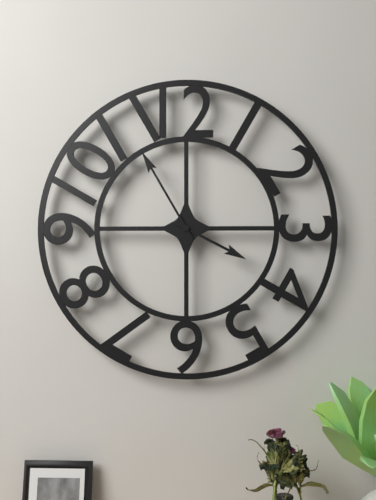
3 h 55 min
